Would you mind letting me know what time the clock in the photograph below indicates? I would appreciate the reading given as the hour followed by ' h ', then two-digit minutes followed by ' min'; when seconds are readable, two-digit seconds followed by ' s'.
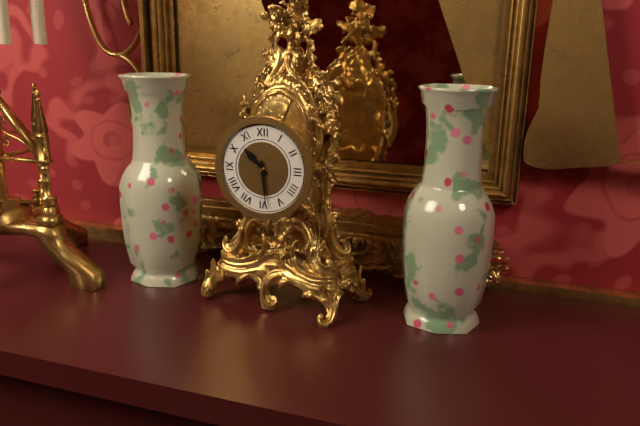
10 h 29 min
